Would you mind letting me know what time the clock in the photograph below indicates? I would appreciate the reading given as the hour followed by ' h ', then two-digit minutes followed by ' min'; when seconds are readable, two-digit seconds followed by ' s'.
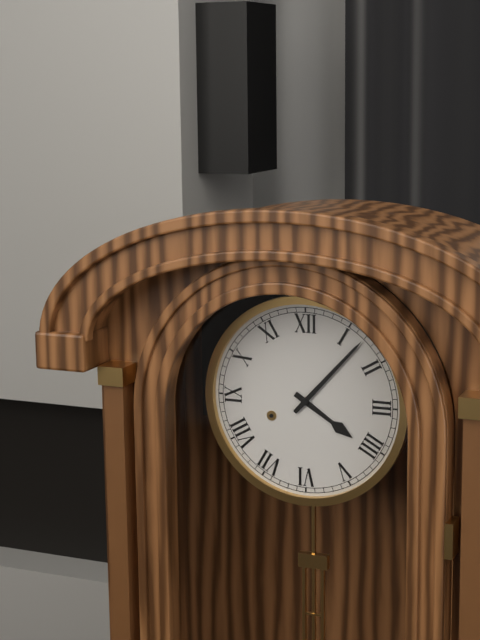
4 h 07 min
